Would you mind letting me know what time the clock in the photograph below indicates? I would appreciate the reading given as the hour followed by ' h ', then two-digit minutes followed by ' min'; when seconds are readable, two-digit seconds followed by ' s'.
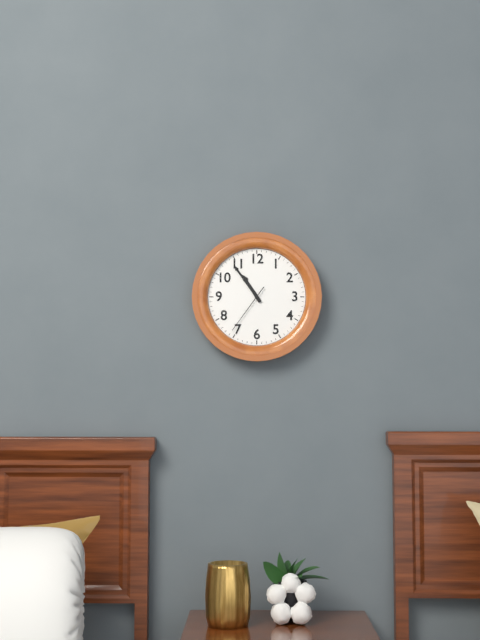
10 h 54 min 36 s
